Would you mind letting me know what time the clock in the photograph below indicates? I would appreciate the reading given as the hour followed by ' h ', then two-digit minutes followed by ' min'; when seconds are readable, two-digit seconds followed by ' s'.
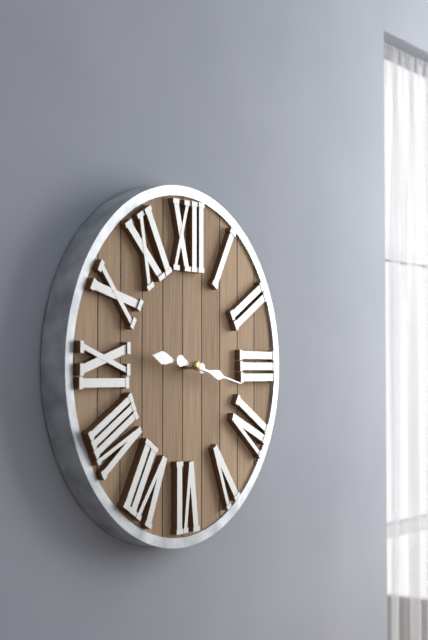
9 h 17 min
